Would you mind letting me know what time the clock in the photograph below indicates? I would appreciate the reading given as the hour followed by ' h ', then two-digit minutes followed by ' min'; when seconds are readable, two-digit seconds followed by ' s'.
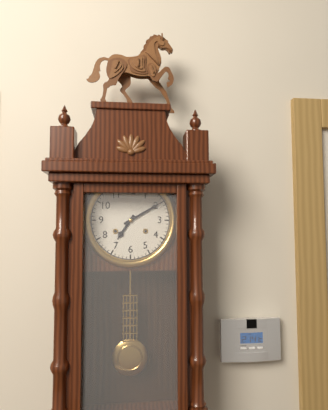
7 h 10 min
